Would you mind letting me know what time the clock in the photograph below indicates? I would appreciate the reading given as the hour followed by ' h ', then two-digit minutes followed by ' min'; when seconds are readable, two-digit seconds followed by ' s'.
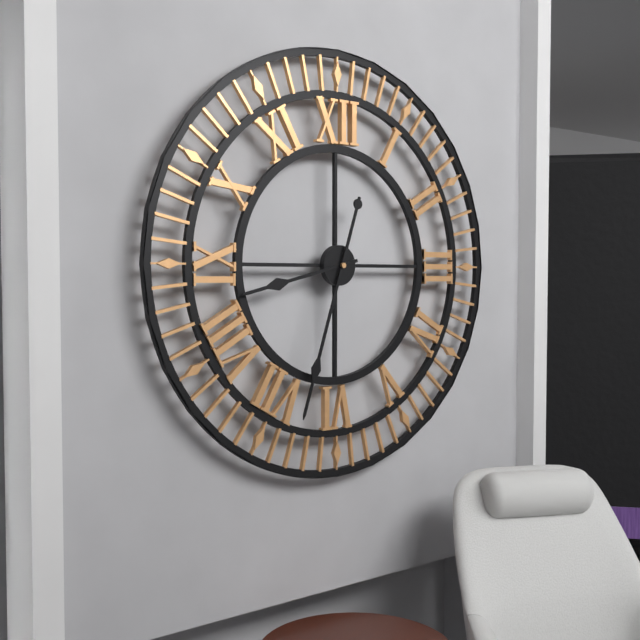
8 h 33 min
